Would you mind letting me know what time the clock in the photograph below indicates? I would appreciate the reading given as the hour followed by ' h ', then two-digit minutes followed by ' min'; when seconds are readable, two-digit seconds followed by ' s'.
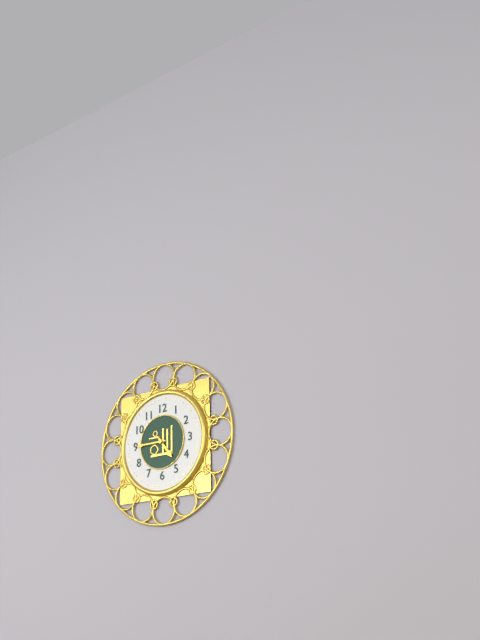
4 h 45 min
